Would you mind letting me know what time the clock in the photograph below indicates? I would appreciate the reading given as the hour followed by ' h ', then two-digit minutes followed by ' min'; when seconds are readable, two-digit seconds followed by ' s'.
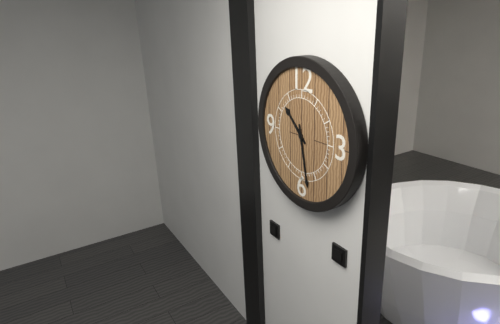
10 h 28 min
